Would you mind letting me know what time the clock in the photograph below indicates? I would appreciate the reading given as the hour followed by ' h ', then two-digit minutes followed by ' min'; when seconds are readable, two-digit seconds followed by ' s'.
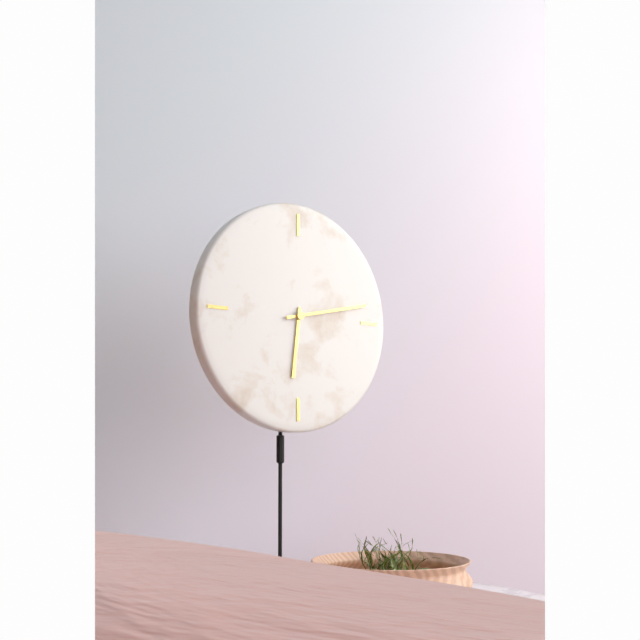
6 h 13 min
